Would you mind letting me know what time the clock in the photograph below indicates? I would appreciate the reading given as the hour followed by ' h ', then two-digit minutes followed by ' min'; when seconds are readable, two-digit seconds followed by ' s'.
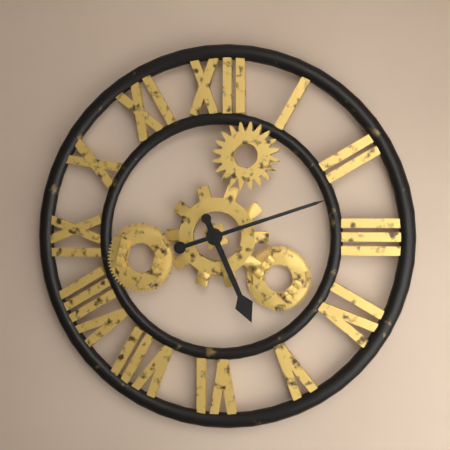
5 h 12 min
